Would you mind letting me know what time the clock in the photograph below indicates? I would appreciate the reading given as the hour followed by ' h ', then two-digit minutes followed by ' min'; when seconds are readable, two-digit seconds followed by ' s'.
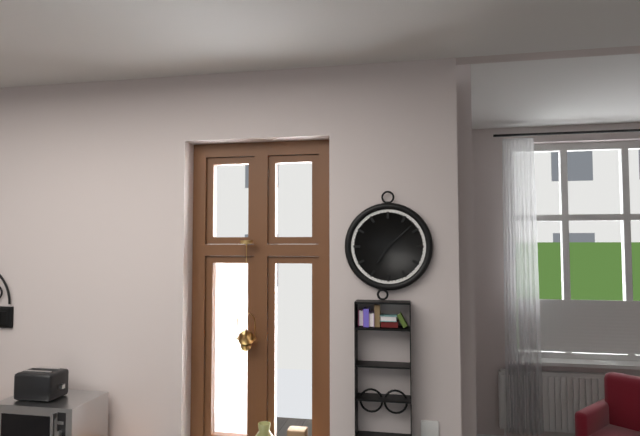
7 h 08 min
